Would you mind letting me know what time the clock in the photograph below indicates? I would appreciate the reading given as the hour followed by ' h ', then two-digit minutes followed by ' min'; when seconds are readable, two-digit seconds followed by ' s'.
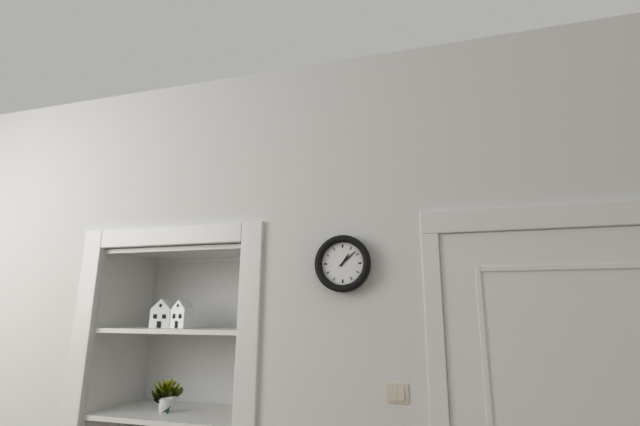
1 h 08 min
